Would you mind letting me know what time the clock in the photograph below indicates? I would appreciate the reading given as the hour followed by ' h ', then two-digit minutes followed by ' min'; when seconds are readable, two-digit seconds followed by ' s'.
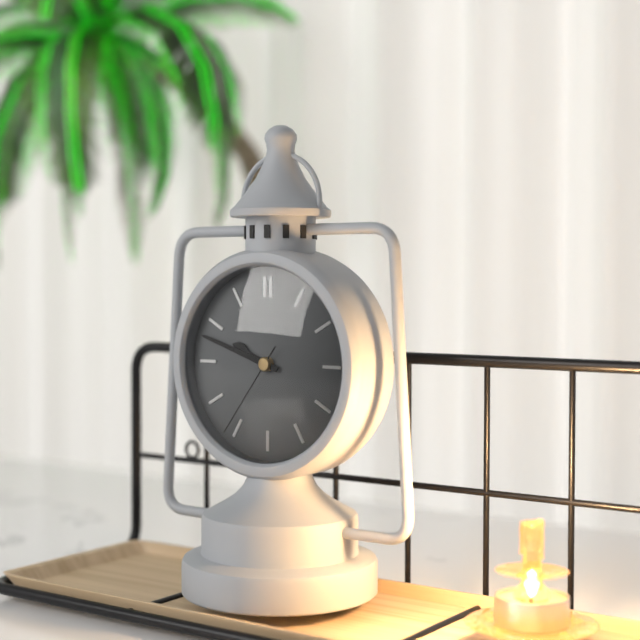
9 h 48 min 36 s
